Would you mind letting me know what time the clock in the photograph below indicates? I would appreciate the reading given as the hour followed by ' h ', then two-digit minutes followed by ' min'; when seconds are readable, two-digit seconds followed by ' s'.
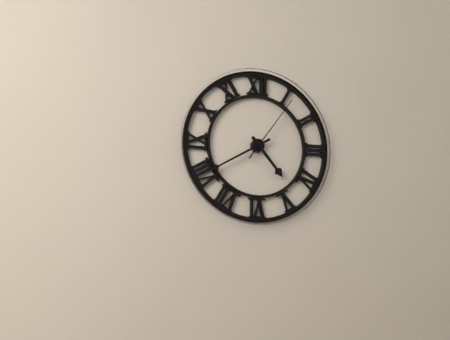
4 h 40 min 06 s
